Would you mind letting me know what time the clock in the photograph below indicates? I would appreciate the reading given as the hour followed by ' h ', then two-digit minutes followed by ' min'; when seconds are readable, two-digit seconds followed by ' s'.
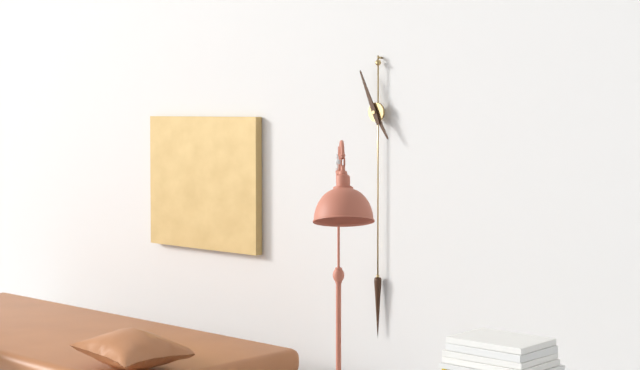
4 h 56 min
